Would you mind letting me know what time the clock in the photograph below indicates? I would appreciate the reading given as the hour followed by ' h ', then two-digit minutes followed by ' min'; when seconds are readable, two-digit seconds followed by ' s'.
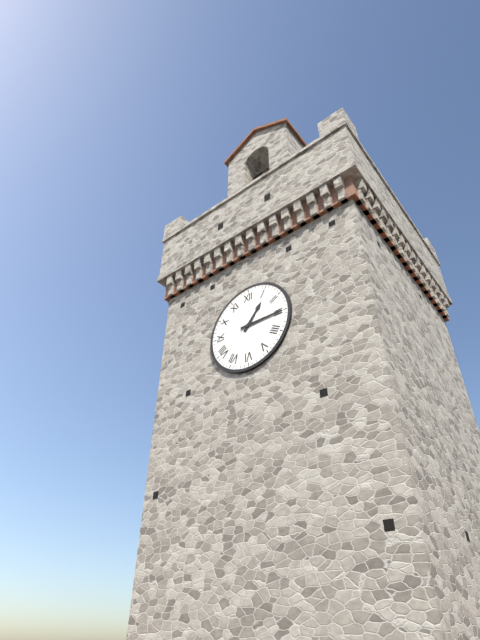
1 h 15 min
